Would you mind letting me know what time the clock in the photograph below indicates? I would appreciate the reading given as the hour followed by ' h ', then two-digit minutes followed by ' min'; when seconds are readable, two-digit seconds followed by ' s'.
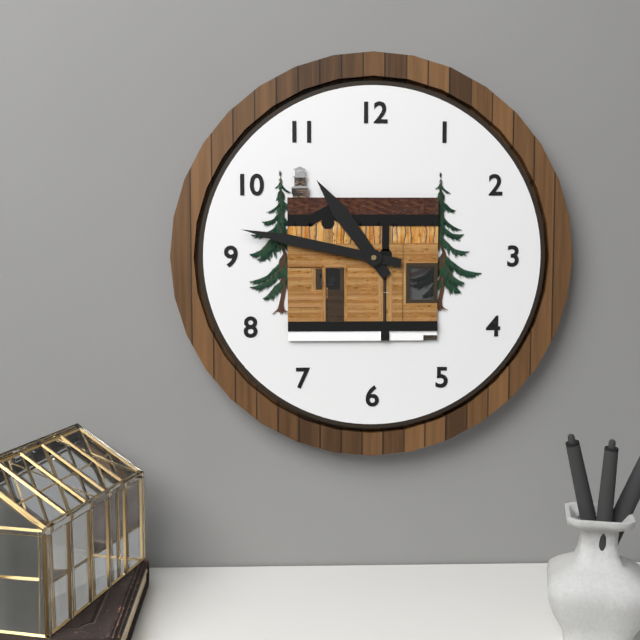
10 h 47 min
